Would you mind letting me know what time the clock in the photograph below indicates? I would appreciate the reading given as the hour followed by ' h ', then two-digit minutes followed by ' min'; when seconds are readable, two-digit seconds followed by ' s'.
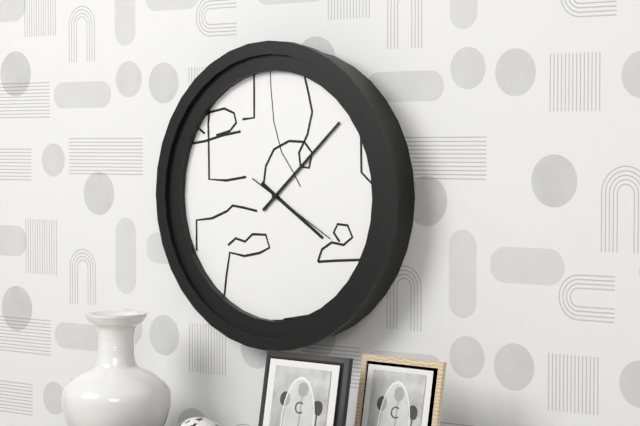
4 h 08 min 20 s
